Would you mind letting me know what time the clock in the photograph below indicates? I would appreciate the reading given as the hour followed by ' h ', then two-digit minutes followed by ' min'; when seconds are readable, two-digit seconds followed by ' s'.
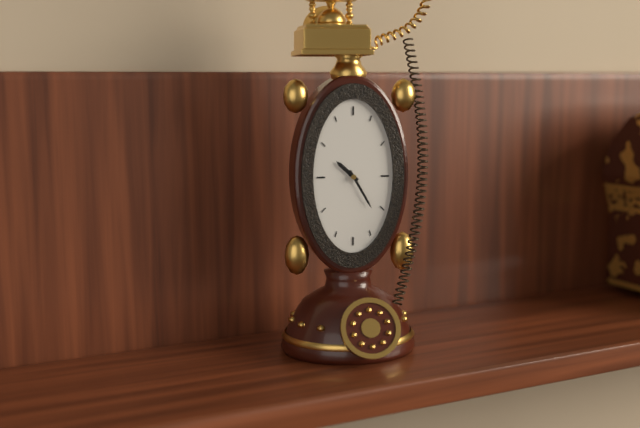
10 h 25 min
